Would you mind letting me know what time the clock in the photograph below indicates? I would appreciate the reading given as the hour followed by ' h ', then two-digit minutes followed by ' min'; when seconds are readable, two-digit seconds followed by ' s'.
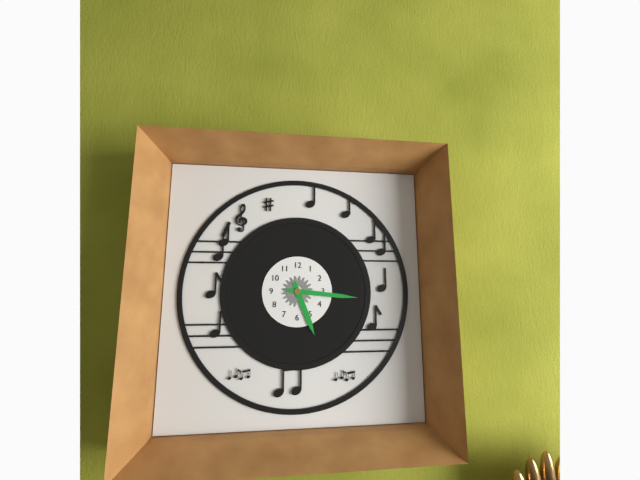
5 h 16 min
